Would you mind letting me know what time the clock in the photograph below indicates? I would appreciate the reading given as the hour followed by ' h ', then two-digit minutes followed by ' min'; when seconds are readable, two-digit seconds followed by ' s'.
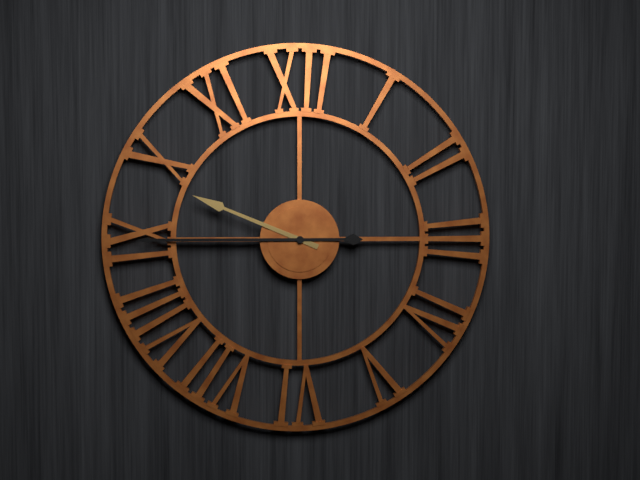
9 h 45 min
